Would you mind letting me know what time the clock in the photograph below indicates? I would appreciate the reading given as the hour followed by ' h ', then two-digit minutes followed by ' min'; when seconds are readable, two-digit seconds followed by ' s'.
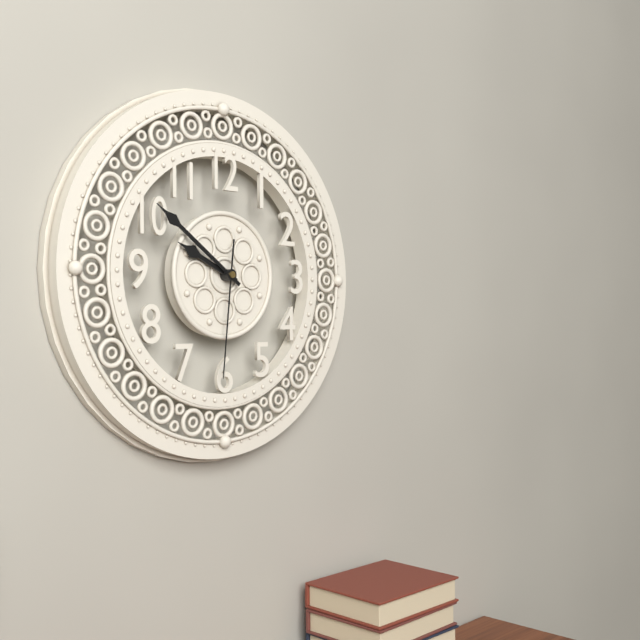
9 h 51 min 31 s
